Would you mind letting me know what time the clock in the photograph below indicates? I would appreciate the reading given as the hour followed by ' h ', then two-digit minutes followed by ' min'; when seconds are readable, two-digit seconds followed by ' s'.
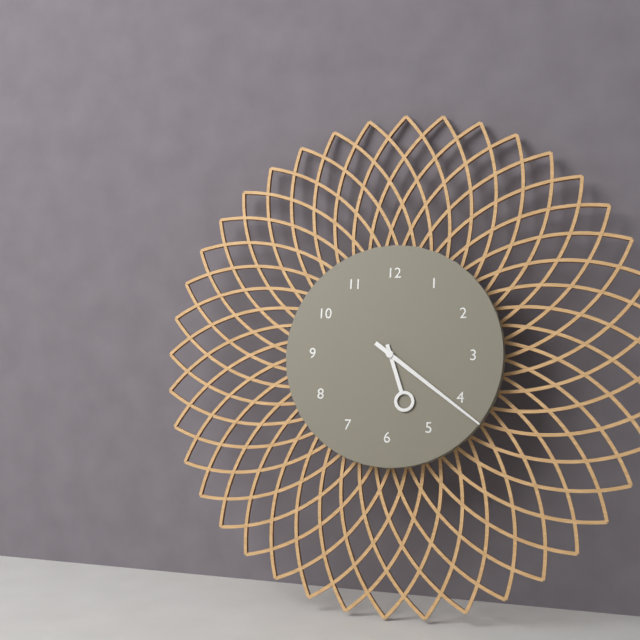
5 h 21 min
